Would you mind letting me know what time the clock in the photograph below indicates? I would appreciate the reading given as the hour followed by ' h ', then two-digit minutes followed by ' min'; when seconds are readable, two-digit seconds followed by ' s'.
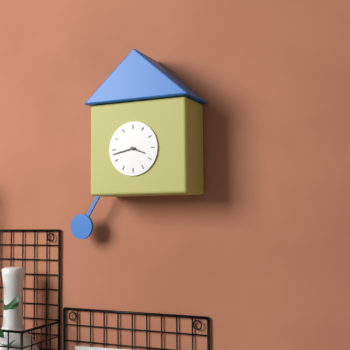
3 h 43 min
